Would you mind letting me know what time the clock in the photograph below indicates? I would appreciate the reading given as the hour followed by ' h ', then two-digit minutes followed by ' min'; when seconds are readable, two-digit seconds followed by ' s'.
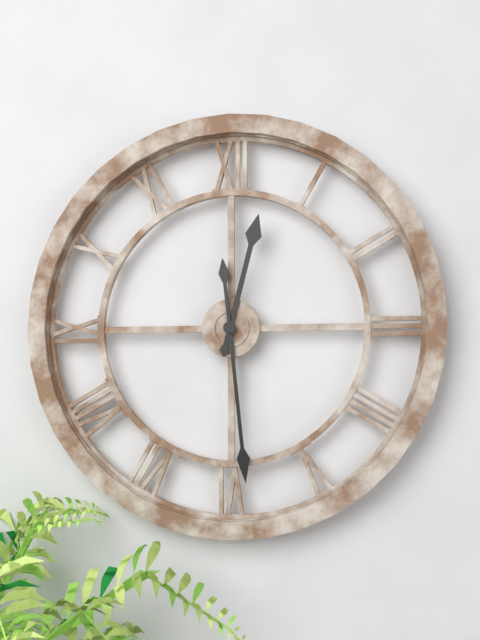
12 h 29 min
